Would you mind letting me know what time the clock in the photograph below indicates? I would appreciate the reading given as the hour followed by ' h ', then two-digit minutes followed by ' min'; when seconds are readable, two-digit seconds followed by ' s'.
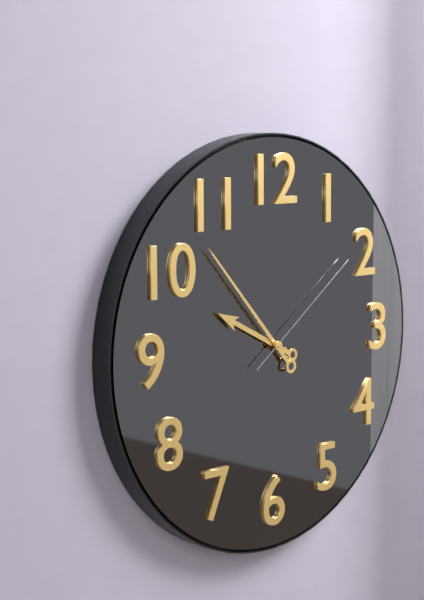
9 h 53 min 09 s
